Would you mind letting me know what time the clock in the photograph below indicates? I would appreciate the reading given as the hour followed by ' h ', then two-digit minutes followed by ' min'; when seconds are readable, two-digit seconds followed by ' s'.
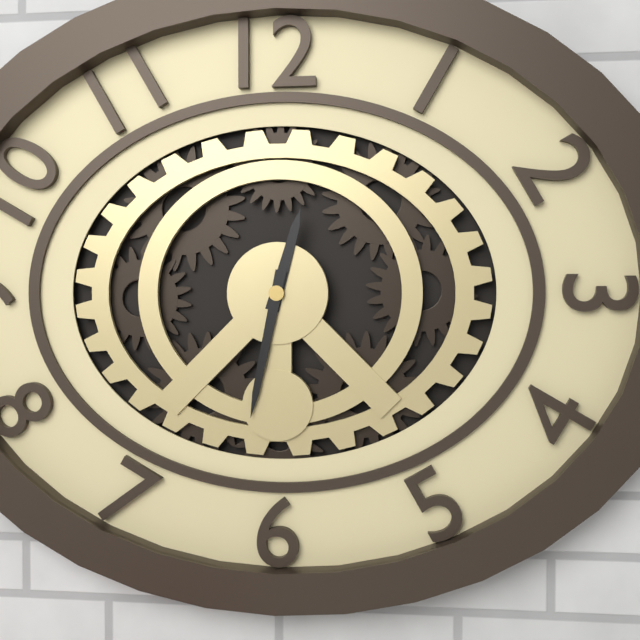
12 h 32 min
